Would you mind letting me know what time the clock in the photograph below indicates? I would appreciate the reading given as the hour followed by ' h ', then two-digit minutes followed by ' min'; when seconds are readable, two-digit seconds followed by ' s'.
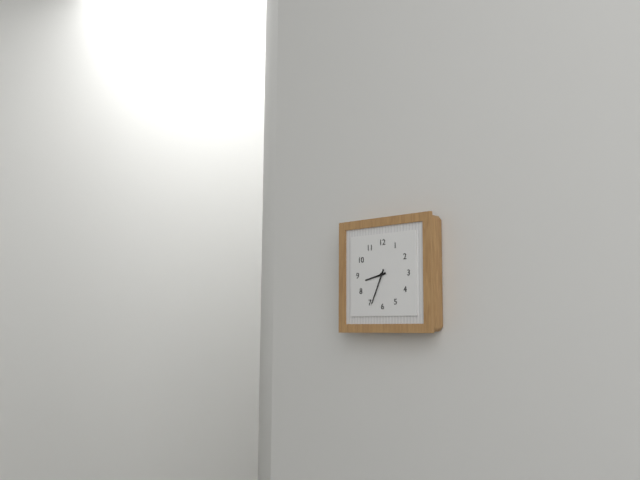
8 h 34 min
